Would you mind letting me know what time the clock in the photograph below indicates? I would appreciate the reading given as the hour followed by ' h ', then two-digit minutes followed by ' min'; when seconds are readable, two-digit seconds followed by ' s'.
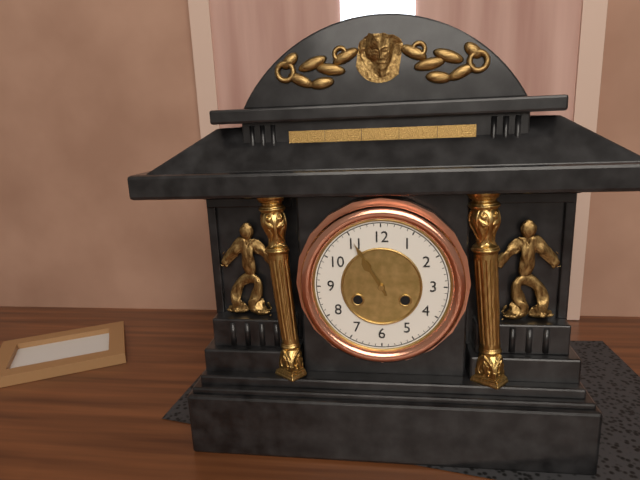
10 h 55 min
